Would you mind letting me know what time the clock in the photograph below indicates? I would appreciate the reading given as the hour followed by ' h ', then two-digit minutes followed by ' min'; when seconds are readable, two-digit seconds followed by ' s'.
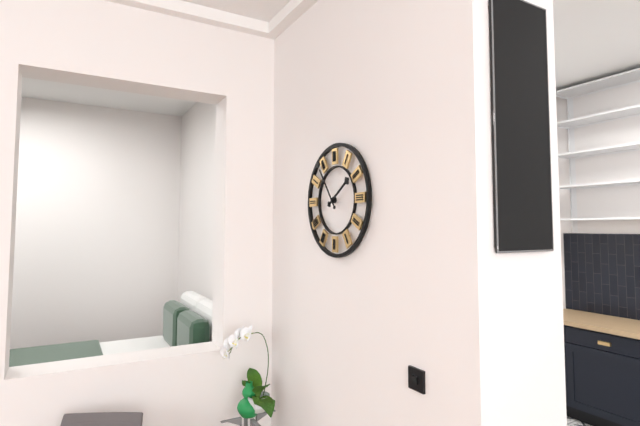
1 h 54 min
